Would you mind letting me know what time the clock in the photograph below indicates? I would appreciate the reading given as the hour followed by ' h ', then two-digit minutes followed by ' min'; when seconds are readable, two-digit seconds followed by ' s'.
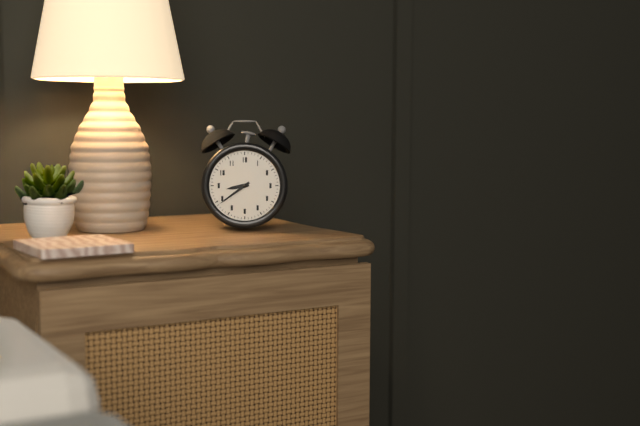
8 h 39 min
